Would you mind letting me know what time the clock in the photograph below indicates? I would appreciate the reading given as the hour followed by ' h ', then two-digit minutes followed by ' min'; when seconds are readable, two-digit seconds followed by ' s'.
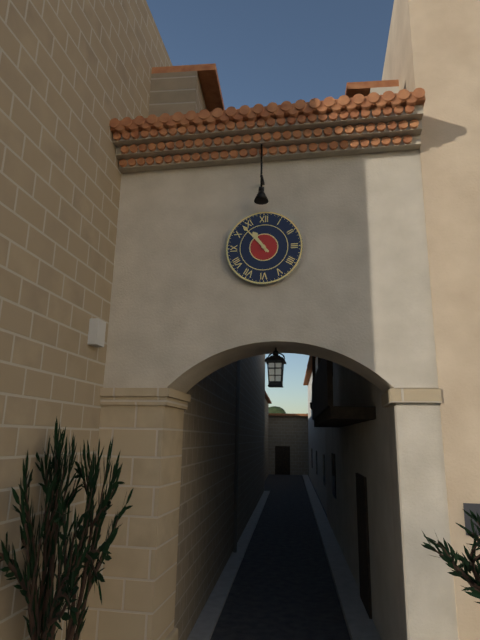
10 h 53 min
